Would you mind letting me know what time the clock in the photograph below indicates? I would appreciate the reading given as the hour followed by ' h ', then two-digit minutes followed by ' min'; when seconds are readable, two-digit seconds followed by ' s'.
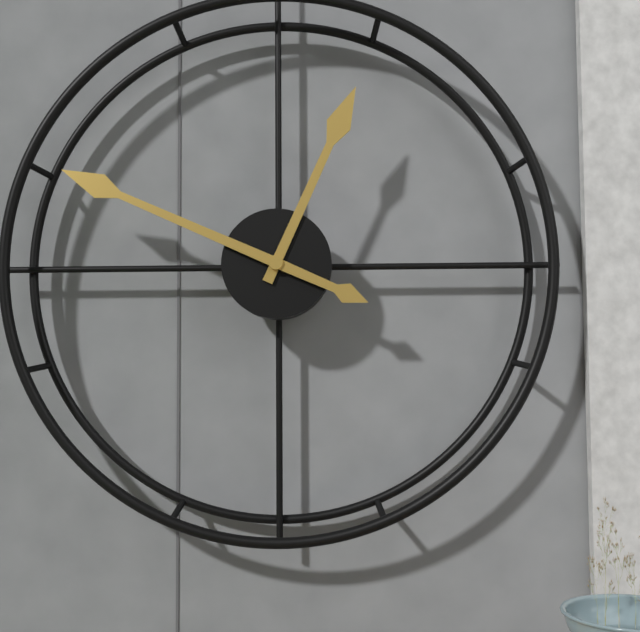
12 h 49 min
